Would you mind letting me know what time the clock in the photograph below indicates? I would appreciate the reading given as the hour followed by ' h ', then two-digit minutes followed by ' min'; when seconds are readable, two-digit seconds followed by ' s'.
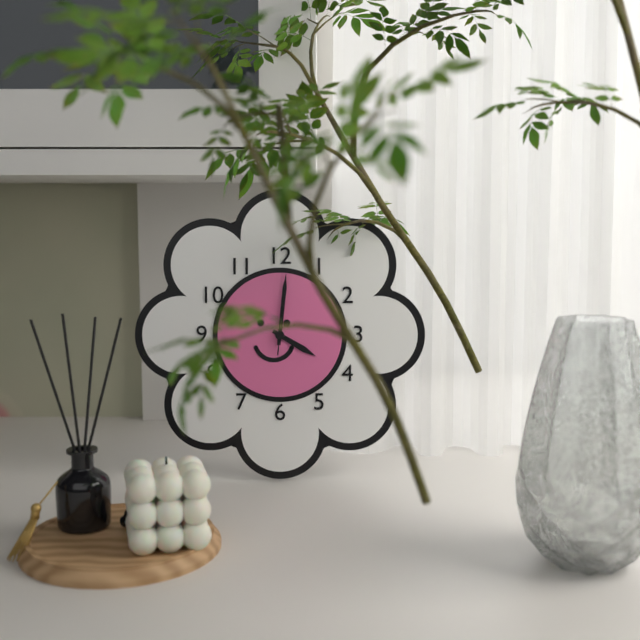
4 h 01 min 01 s
